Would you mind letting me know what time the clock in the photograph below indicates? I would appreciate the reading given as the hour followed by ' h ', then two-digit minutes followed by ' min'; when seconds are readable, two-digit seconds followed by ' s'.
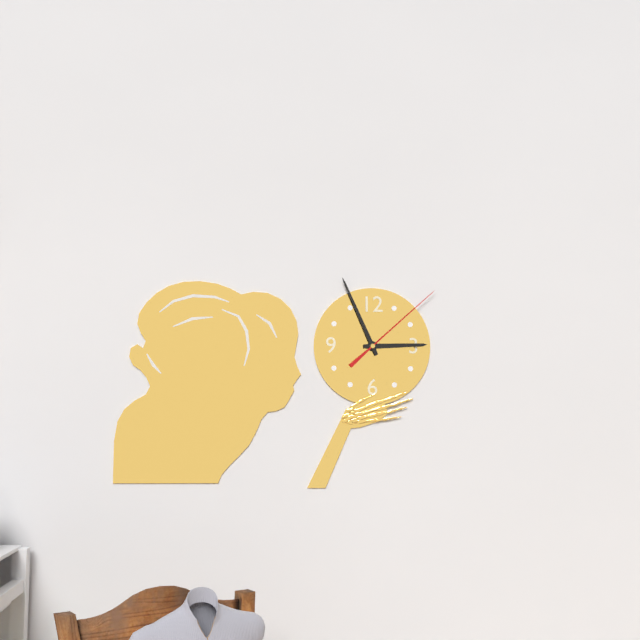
2 h 56 min 08 s
